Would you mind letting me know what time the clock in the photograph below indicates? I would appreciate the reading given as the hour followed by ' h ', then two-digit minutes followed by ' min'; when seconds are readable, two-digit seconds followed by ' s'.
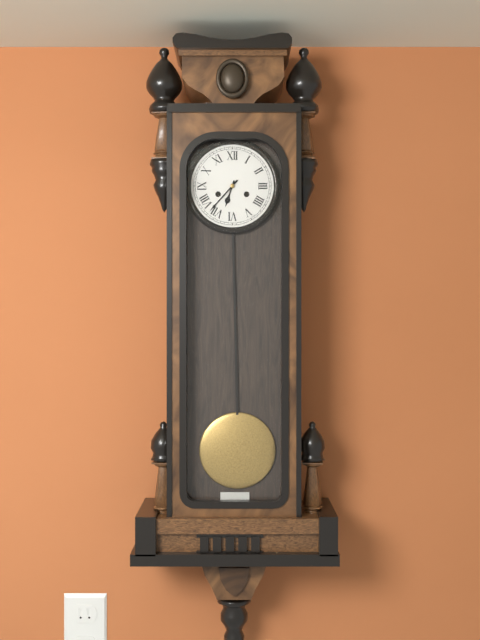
6 h 37 min
